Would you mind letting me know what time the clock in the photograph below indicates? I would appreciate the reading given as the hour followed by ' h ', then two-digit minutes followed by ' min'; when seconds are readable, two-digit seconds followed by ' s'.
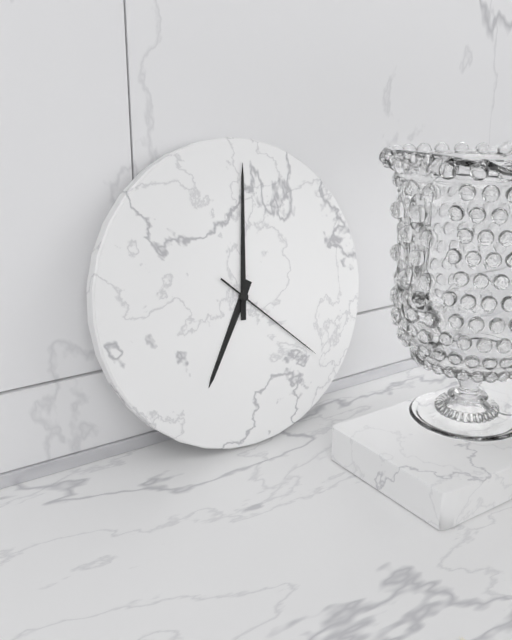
7 h 01 min 22 s
